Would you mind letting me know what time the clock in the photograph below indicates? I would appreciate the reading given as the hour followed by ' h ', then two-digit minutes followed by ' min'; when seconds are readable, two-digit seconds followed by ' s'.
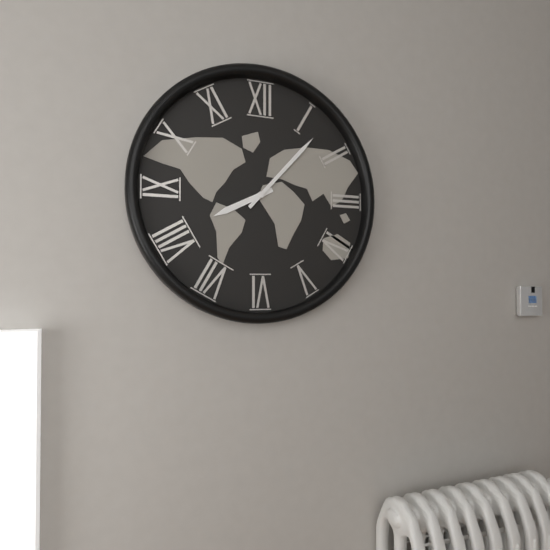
8 h 07 min
